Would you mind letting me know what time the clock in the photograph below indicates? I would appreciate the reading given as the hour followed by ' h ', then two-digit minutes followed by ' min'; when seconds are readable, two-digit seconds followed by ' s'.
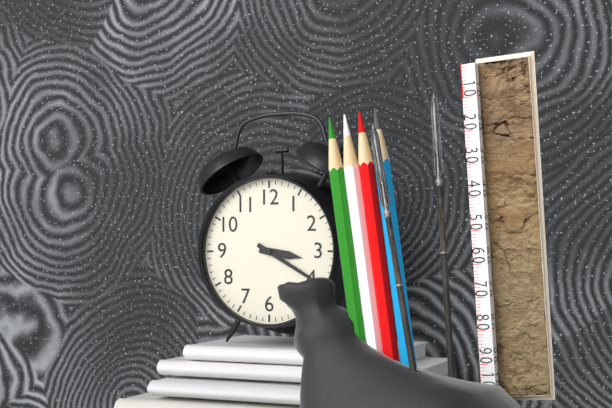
3 h 20 min
